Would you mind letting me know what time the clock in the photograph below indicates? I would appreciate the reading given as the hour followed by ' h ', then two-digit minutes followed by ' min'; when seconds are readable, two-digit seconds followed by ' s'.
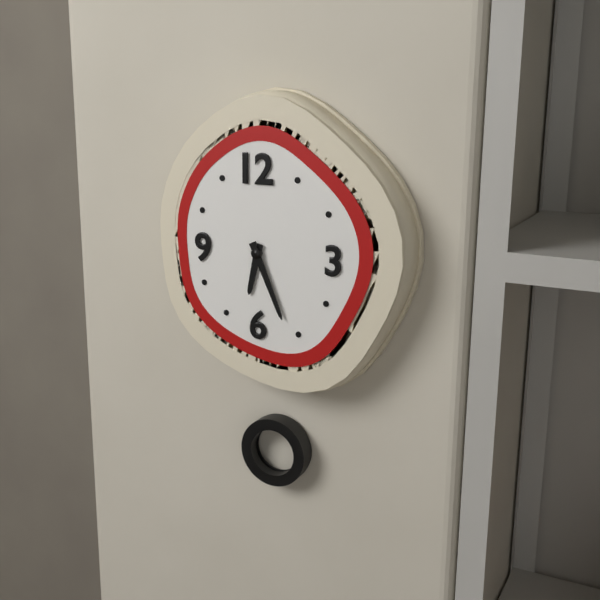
6 h 26 min
